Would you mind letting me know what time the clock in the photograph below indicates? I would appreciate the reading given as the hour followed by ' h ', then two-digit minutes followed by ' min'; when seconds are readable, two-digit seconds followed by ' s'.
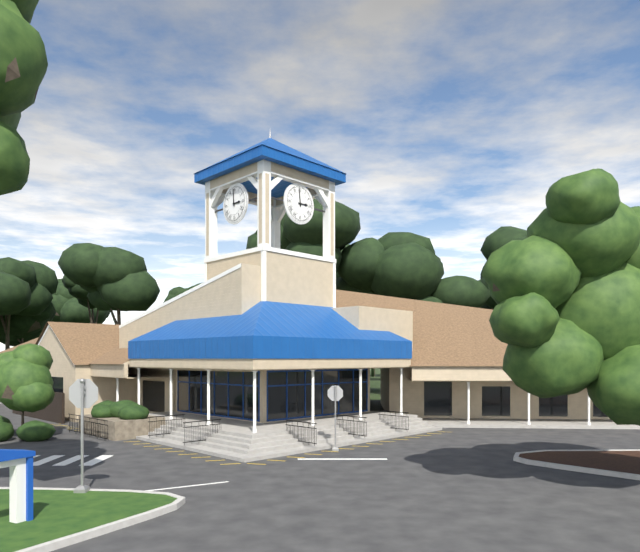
2 h 59 min
